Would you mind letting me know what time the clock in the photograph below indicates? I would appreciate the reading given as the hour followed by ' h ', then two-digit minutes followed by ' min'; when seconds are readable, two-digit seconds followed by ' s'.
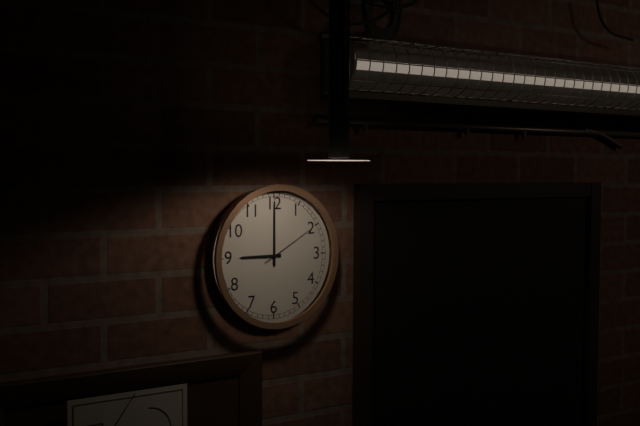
9 h 00 min 10 s
